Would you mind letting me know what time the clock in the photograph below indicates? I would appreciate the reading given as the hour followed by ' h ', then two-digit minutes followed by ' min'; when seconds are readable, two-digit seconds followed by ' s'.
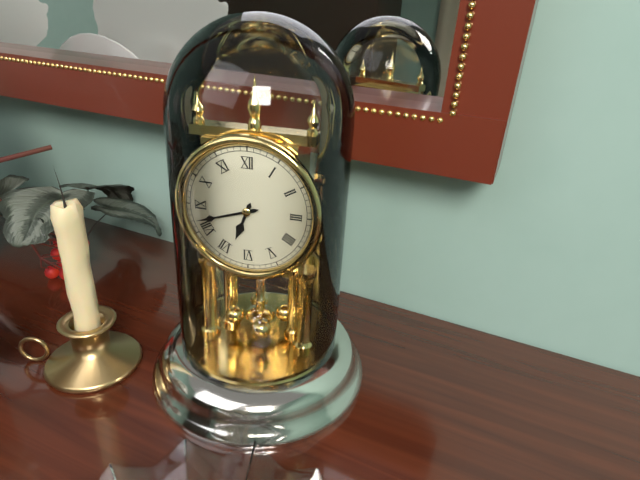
6 h 42 min
